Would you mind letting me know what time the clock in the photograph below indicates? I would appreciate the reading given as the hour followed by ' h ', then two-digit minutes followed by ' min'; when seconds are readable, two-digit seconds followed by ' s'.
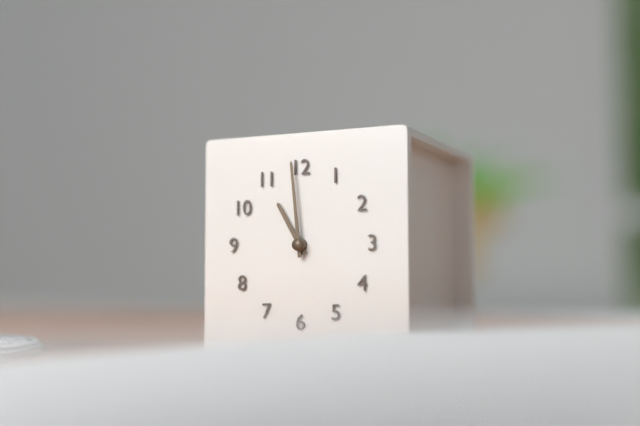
10 h 59 min
